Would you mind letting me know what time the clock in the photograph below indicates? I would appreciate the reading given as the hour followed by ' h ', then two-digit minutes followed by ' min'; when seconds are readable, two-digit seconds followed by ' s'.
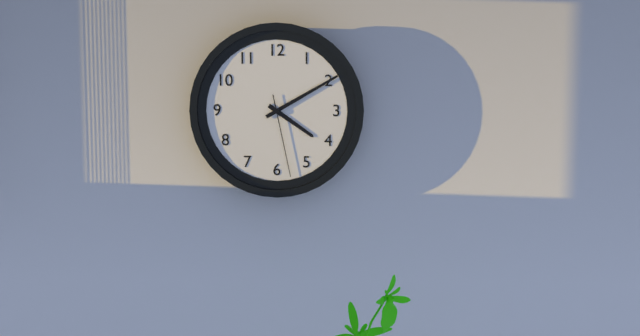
4 h 10 min 28 s
